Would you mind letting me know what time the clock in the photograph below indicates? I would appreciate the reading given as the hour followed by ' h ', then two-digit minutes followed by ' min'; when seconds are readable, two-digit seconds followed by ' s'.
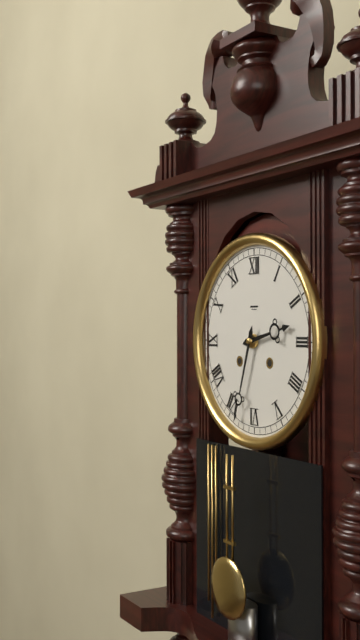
2 h 33 min
